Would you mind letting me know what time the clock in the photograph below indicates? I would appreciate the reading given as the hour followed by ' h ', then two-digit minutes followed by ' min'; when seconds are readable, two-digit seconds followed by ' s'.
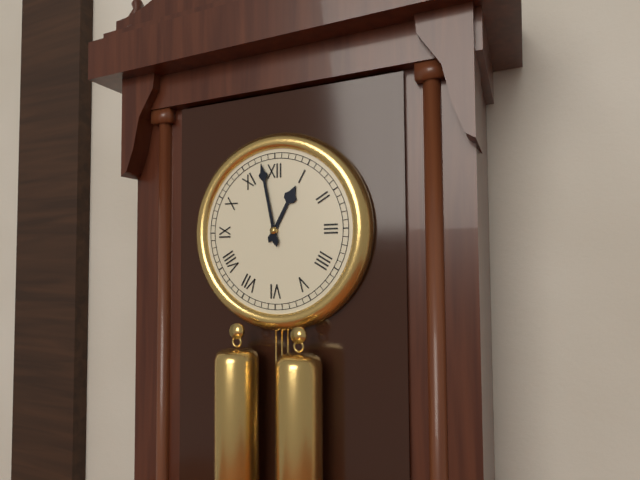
12 h 58 min
